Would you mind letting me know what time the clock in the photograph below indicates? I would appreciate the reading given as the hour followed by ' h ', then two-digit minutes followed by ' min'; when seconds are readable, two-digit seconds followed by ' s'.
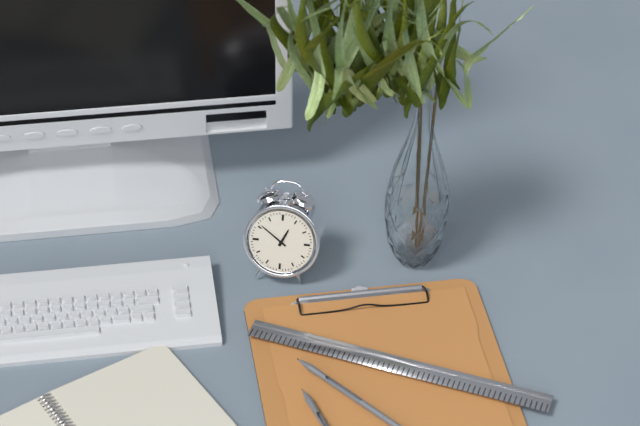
12 h 51 min
